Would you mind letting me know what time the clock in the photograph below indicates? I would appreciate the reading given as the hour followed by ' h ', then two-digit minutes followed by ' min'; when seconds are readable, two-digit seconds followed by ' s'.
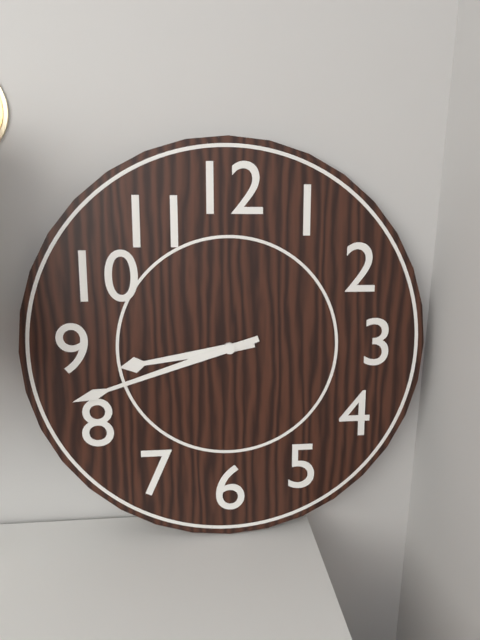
8 h 42 min
